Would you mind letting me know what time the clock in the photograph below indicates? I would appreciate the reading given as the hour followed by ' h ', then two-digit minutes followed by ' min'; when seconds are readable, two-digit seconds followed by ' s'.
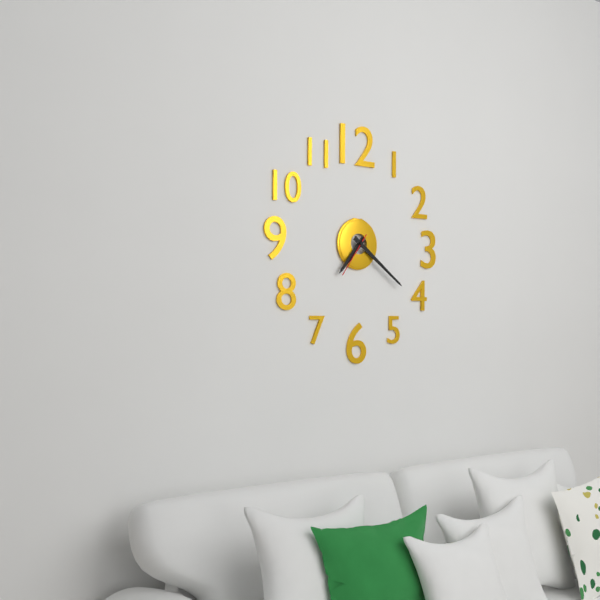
7 h 21 min
